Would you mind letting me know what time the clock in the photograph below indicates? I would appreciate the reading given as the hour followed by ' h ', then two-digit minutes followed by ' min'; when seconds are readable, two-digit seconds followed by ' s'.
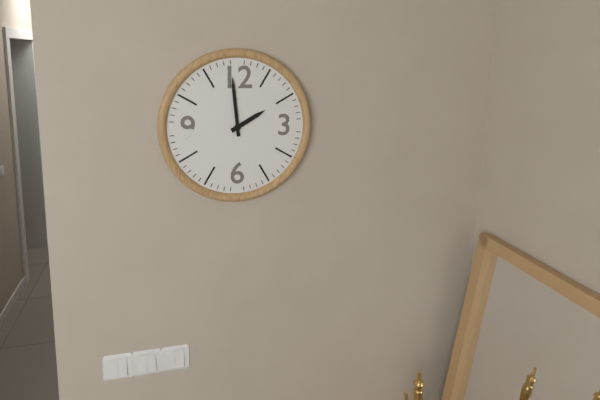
1 h 59 min
